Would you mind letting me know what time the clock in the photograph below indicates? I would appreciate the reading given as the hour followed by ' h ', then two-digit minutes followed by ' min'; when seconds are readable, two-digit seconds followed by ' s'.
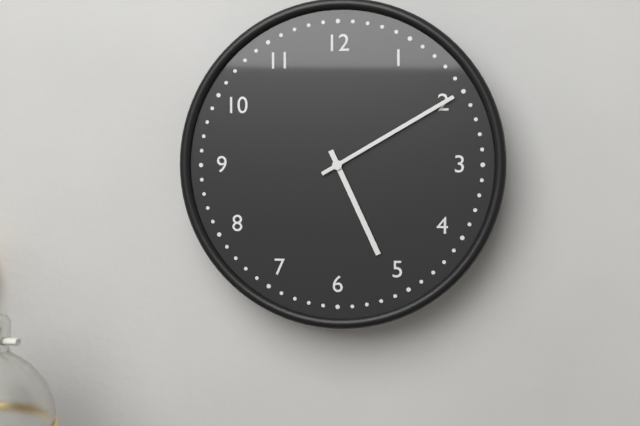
5 h 10 min
